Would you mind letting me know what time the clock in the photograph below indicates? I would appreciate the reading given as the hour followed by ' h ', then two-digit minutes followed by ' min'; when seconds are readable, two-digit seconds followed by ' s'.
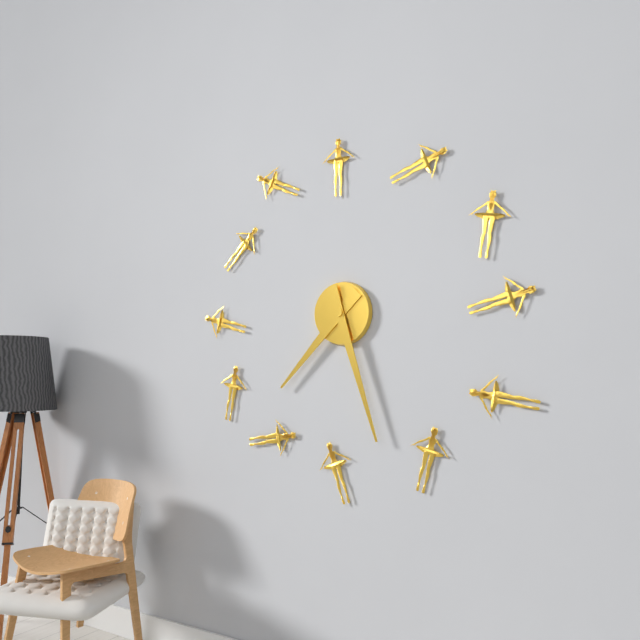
7 h 27 min
